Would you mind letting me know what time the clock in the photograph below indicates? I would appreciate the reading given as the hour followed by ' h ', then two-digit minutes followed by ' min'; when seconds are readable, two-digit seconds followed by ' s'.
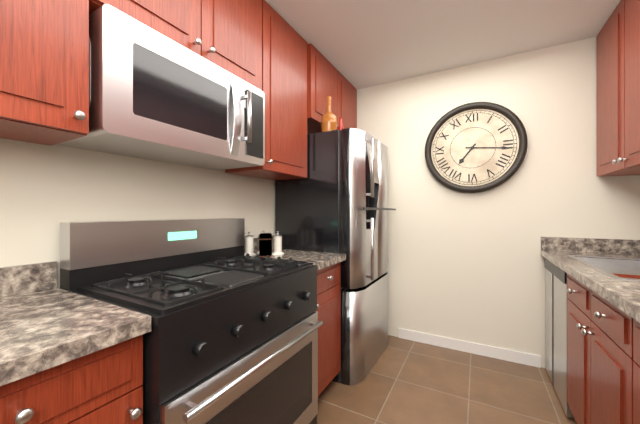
7 h 16 min
